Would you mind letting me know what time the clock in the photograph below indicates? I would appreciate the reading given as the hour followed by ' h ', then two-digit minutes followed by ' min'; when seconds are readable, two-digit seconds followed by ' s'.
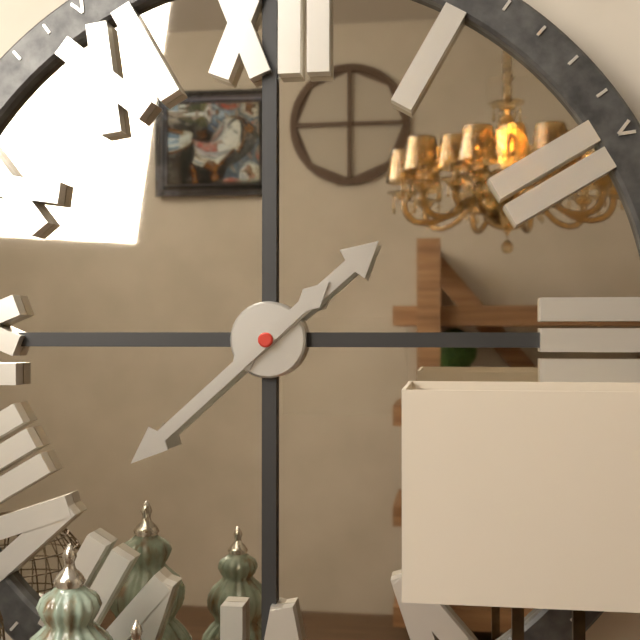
1 h 38 min
